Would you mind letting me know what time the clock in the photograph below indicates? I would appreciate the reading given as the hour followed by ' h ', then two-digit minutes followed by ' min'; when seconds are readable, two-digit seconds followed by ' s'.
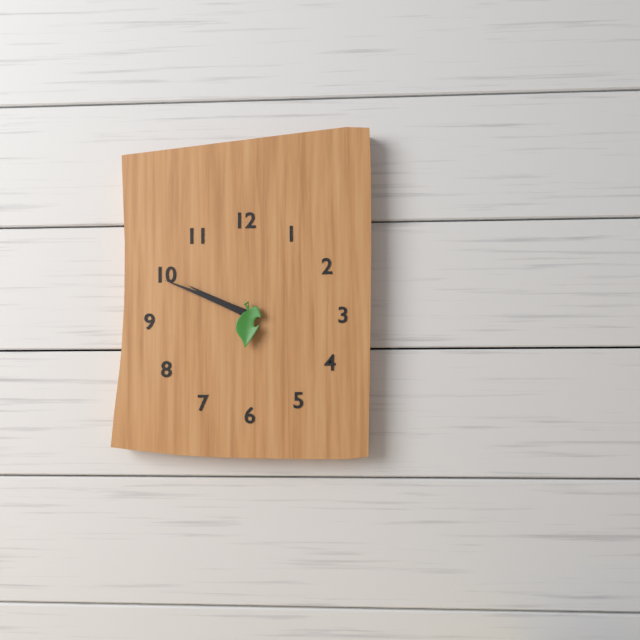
9 h 49 min
